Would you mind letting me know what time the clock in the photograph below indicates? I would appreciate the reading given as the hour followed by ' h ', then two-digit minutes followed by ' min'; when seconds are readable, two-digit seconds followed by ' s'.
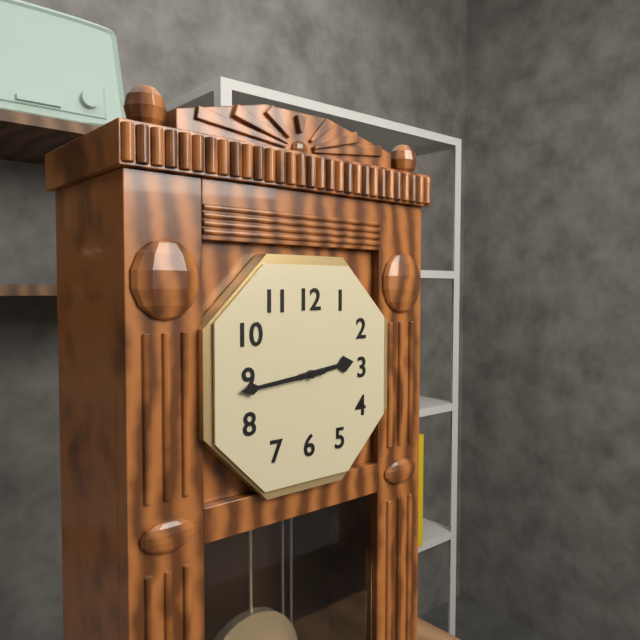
2 h 44 min
